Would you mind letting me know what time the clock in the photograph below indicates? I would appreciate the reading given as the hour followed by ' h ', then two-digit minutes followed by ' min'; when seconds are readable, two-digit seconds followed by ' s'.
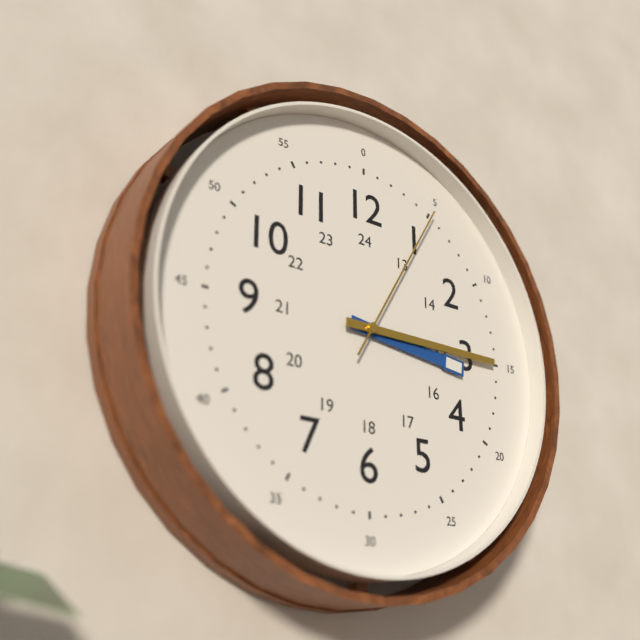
3 h 15 min 05 s
